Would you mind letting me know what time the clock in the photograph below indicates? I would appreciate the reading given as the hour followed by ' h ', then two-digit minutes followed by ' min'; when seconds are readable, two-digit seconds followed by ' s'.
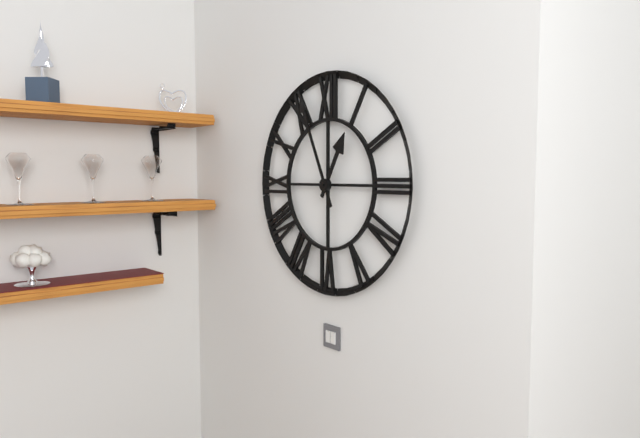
12 h 56 min
